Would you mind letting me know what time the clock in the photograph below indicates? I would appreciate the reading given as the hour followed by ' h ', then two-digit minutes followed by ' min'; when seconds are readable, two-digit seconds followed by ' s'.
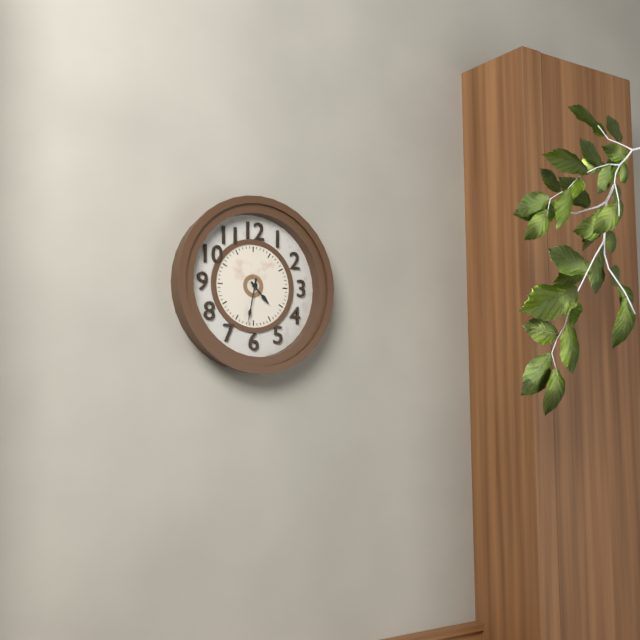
4 h 32 min
